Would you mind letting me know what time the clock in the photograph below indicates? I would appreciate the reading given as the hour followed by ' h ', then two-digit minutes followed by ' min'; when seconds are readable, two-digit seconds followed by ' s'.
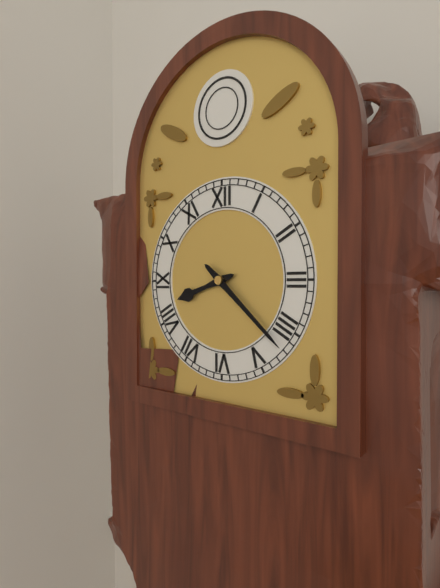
8 h 22 min
